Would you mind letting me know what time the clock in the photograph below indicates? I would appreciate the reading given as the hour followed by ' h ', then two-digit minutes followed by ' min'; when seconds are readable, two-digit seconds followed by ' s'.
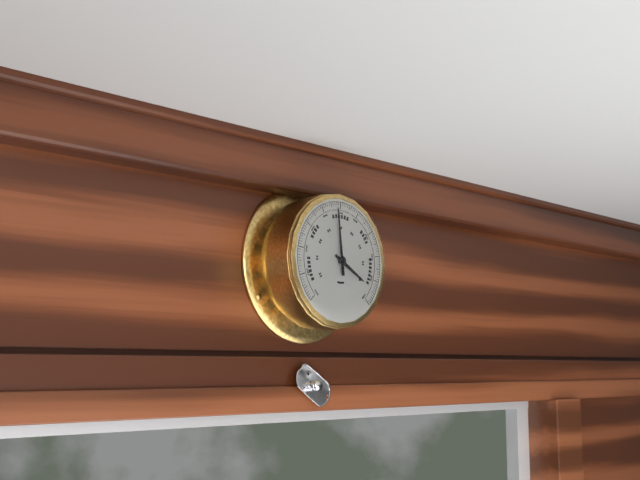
3 h 59 min
